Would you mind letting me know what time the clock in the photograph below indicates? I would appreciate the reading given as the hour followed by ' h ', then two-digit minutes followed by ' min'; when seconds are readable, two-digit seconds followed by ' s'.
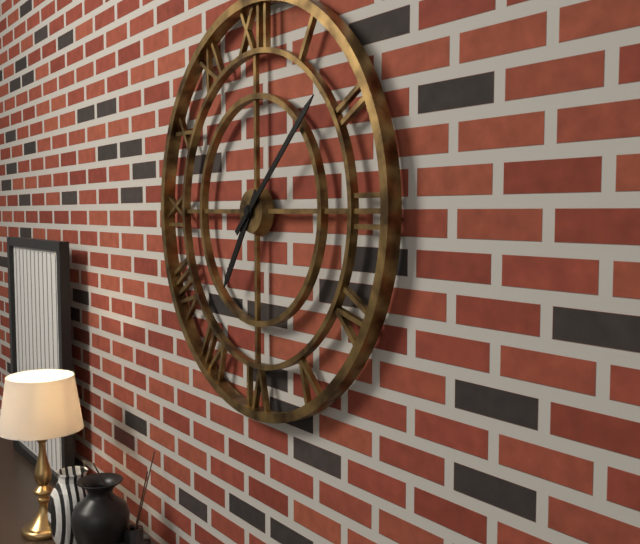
7 h 08 min
